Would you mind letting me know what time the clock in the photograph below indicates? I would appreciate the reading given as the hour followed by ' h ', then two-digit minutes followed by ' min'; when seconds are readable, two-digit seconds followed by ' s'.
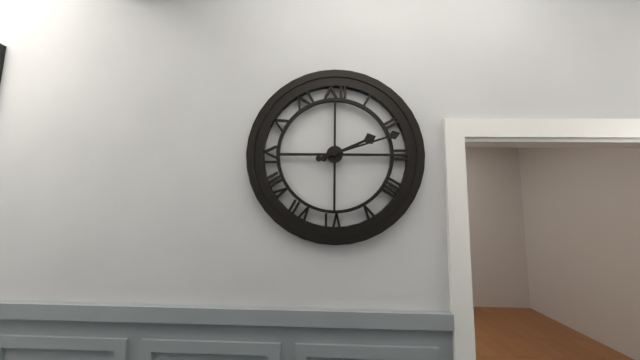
2 h 12 min
